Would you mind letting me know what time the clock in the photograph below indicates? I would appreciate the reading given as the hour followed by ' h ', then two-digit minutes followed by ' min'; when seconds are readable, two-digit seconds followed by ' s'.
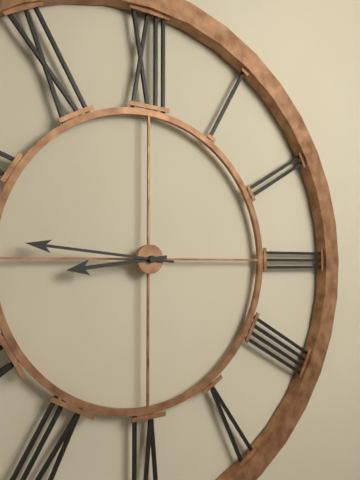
8 h 46 min
